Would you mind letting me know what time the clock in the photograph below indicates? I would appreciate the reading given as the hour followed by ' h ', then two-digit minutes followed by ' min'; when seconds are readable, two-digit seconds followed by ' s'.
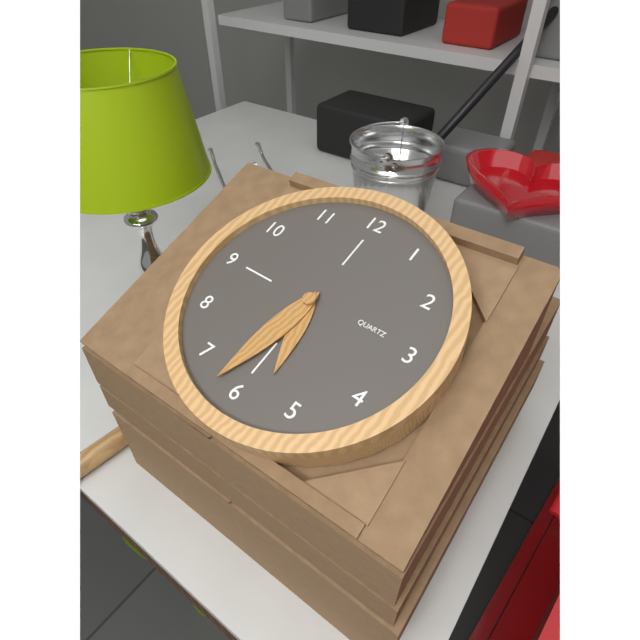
5 h 32 min
